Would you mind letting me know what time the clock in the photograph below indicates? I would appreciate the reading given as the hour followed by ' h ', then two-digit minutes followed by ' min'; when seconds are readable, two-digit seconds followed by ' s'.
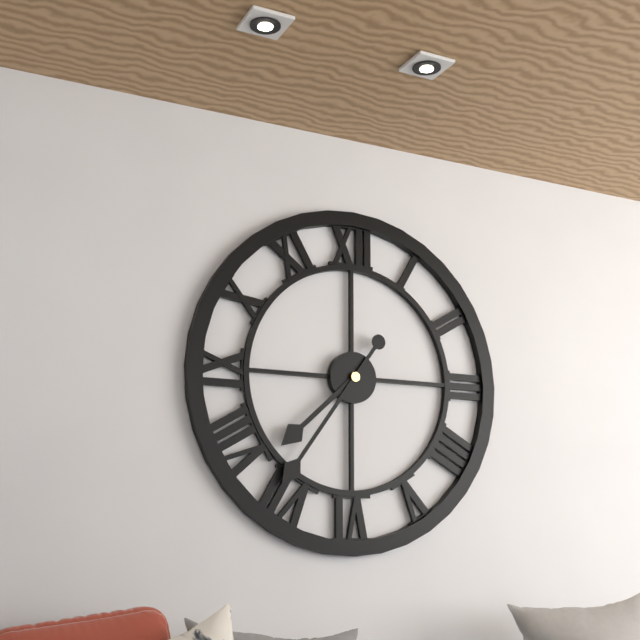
7 h 36 min
